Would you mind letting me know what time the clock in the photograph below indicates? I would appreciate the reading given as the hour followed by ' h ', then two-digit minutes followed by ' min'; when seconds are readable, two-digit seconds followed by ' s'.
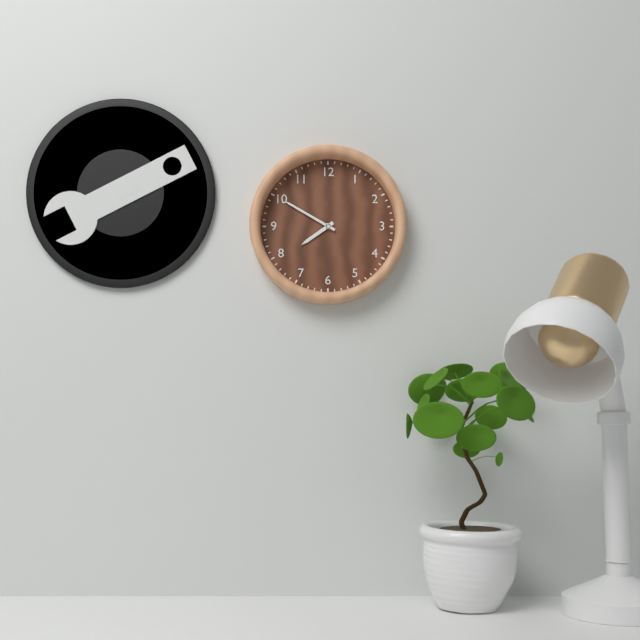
7 h 50 min
